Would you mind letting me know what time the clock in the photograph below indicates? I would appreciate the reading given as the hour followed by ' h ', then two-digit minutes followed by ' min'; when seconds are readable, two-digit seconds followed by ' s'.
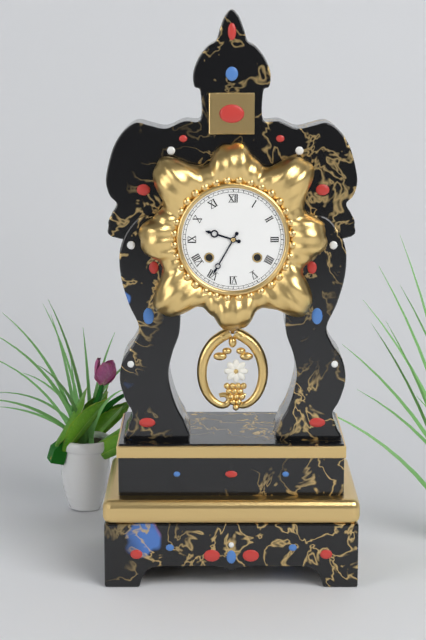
9 h 35 min
